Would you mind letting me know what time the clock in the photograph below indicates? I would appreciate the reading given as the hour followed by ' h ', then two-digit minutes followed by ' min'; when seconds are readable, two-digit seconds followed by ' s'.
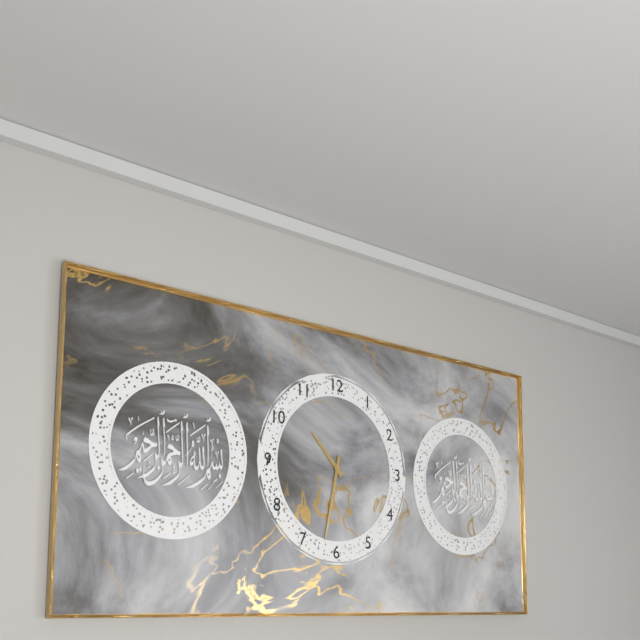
10 h 32 min
